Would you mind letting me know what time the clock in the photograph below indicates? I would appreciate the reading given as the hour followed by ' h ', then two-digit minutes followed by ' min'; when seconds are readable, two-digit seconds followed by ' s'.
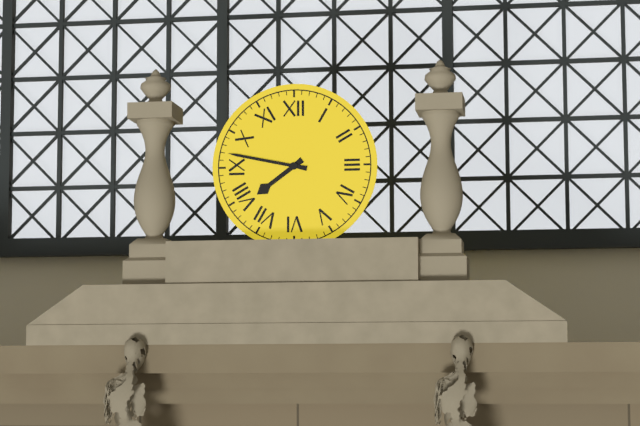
7 h 47 min
